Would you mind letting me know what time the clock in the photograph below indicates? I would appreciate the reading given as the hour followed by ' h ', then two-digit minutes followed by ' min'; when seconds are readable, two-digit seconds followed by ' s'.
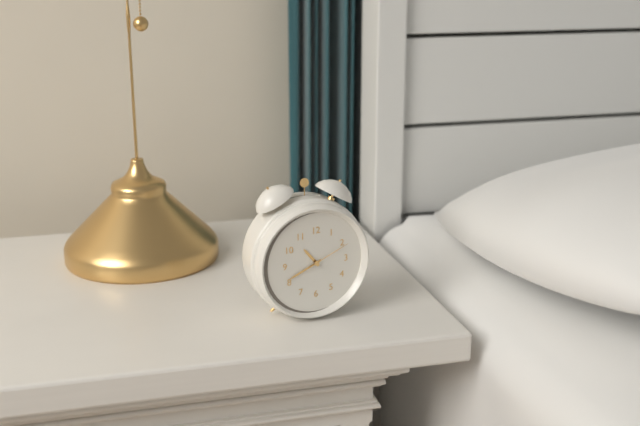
10 h 41 min
